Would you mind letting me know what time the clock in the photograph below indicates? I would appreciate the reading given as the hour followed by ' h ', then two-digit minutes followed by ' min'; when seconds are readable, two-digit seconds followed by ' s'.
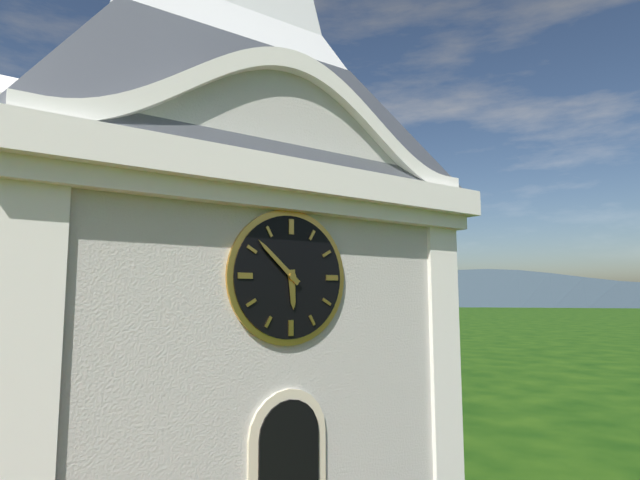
5 h 52 min
